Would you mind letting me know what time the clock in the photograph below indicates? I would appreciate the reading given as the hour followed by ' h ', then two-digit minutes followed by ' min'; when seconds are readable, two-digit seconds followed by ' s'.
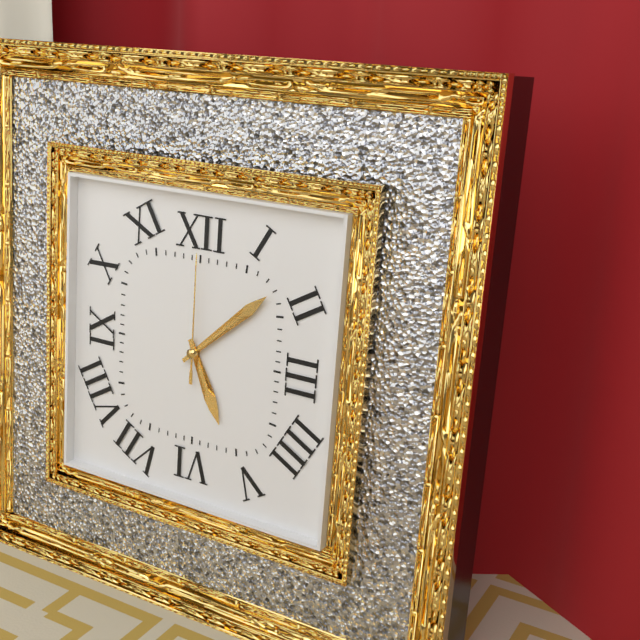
5 h 08 min 00 s
